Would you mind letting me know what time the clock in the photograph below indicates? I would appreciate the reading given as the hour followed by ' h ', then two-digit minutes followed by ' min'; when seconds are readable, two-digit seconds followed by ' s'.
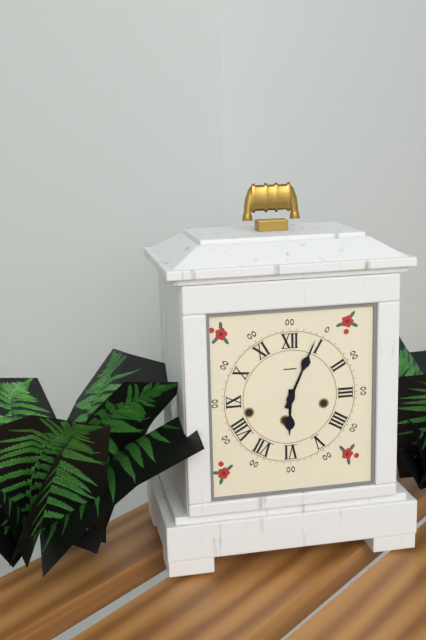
6 h 04 min
